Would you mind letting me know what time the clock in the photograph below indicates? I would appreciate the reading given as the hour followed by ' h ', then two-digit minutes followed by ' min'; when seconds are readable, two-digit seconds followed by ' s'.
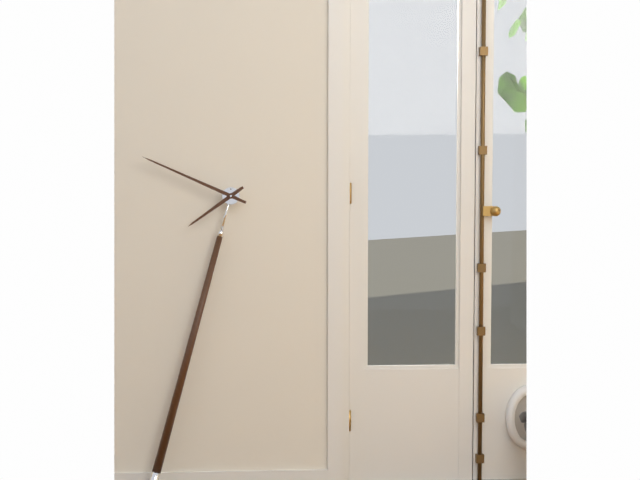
7 h 49 min
